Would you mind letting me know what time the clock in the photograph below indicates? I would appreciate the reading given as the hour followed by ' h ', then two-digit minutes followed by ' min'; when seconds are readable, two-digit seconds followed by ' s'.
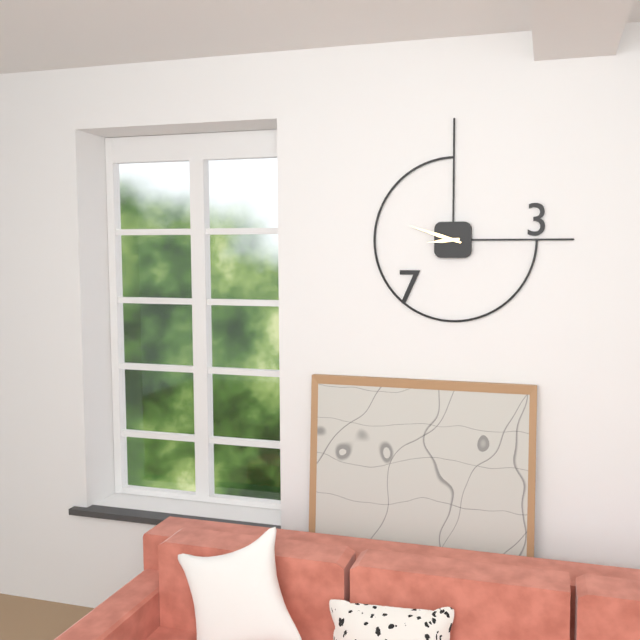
8 h 48 min
